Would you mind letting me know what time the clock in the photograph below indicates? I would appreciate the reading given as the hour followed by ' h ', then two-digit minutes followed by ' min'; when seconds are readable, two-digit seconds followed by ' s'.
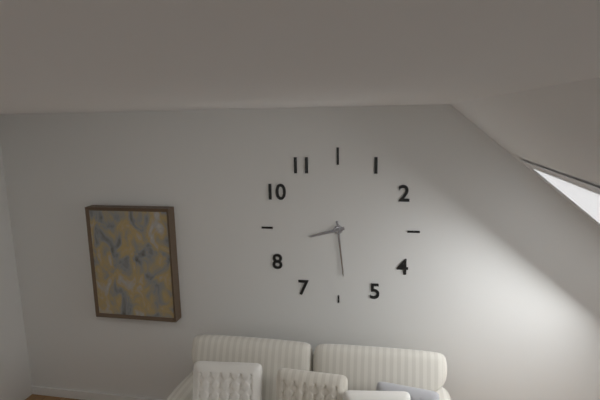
8 h 29 min
